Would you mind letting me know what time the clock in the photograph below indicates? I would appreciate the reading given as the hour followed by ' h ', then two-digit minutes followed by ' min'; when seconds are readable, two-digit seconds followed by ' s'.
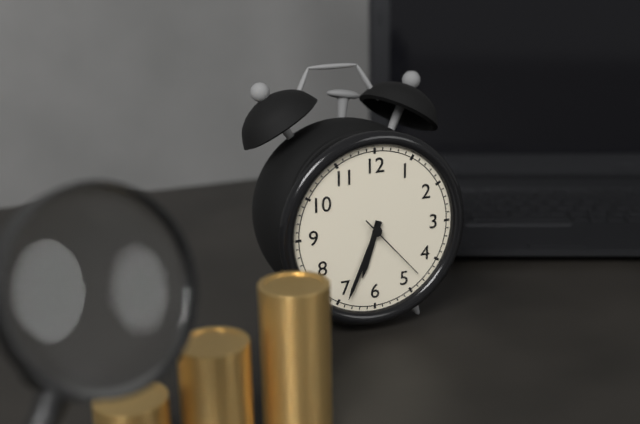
6 h 34 min 23 s
